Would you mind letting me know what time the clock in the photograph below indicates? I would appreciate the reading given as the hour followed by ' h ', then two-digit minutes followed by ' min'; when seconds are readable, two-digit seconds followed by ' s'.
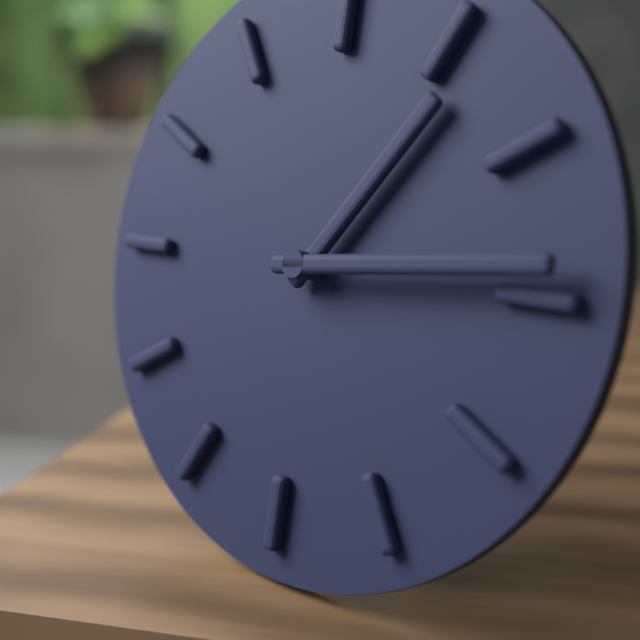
1 h 14 min
